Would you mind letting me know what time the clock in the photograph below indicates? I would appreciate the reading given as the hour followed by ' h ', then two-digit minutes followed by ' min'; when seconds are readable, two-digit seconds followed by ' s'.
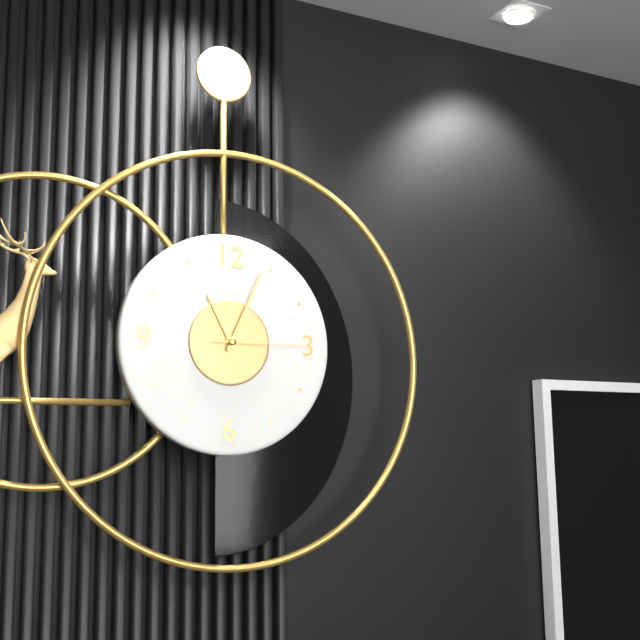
11 h 04 min 15 s
